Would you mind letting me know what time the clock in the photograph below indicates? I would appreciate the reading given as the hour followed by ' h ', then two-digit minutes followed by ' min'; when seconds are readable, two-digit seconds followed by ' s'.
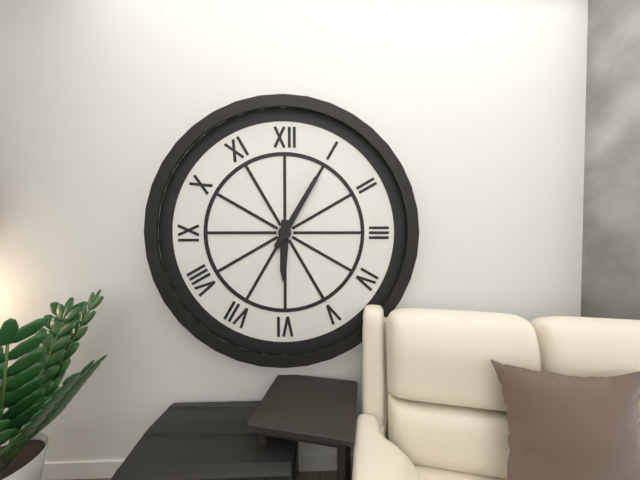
6 h 05 min
